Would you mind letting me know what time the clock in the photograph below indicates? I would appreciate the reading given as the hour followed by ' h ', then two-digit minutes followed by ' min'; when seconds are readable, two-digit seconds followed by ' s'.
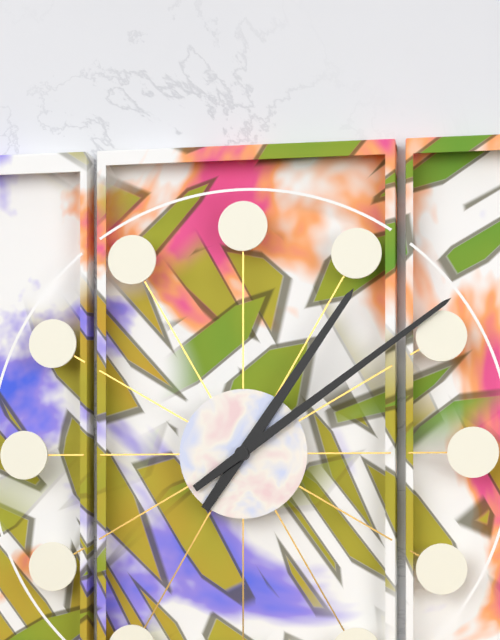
1 h 09 min
